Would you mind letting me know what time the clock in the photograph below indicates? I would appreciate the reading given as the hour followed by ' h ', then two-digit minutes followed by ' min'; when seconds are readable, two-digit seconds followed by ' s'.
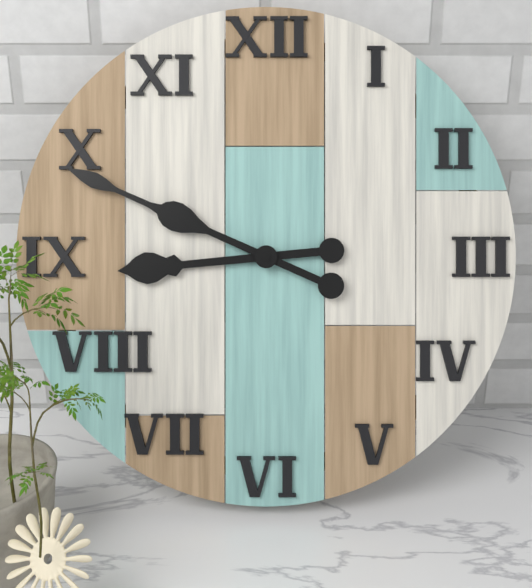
8 h 49 min
